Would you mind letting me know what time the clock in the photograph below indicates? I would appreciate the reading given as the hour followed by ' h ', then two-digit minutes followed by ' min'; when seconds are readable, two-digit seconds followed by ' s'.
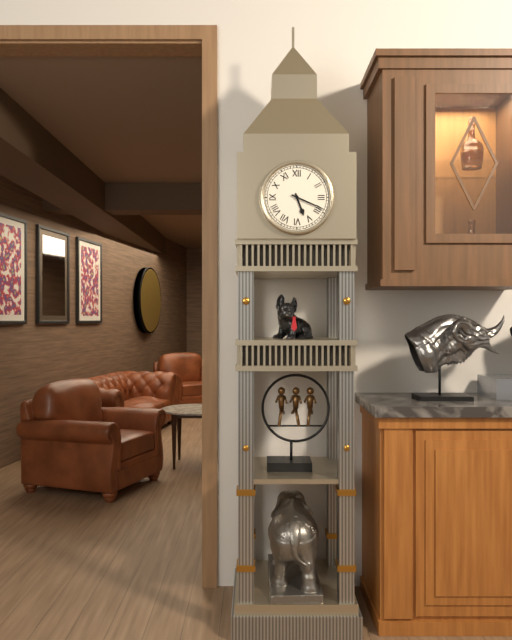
5 h 19 min
